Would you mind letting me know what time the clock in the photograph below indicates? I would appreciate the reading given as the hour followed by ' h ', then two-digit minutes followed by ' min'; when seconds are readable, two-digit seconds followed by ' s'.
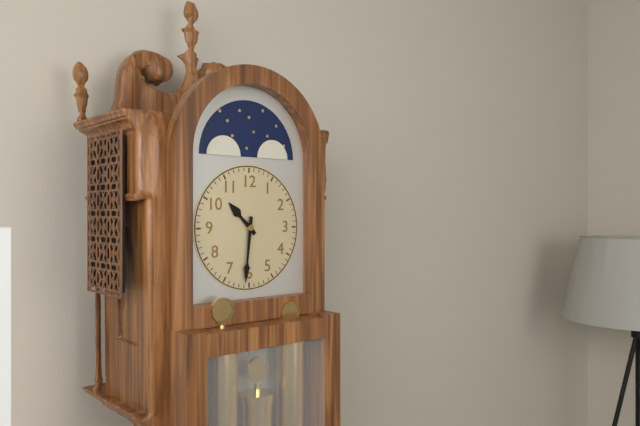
10 h 31 min
